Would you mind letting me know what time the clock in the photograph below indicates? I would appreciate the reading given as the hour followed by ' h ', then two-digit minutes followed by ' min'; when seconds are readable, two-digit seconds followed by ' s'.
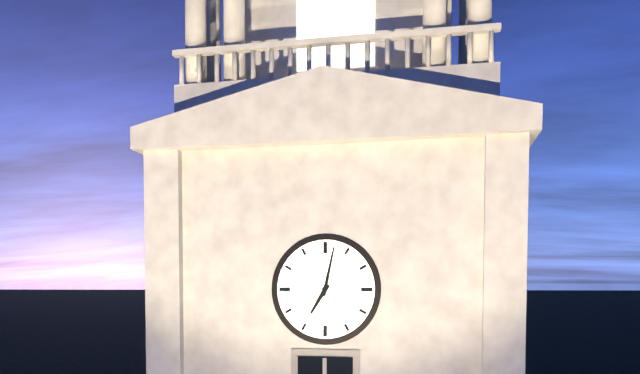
7 h 02 min
